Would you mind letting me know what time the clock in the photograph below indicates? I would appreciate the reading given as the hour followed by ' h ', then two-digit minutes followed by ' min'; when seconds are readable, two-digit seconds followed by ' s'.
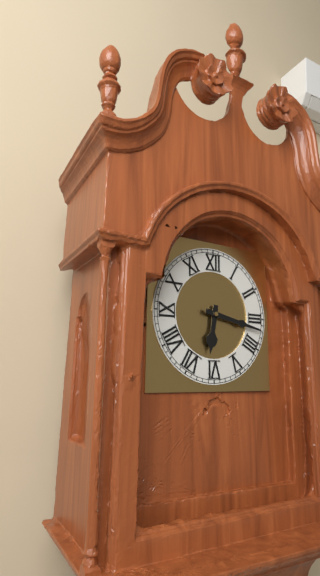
6 h 17 min
